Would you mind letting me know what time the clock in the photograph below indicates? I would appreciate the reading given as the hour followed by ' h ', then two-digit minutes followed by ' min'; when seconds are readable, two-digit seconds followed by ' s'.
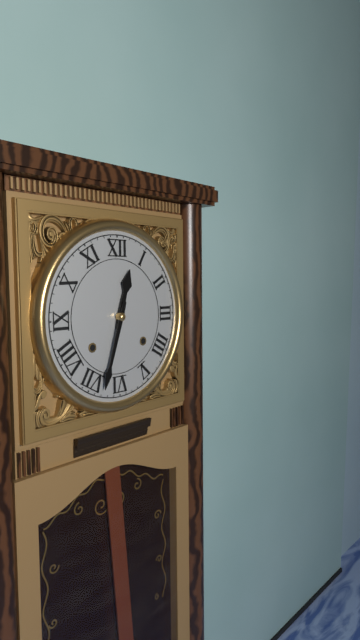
12 h 33 min
